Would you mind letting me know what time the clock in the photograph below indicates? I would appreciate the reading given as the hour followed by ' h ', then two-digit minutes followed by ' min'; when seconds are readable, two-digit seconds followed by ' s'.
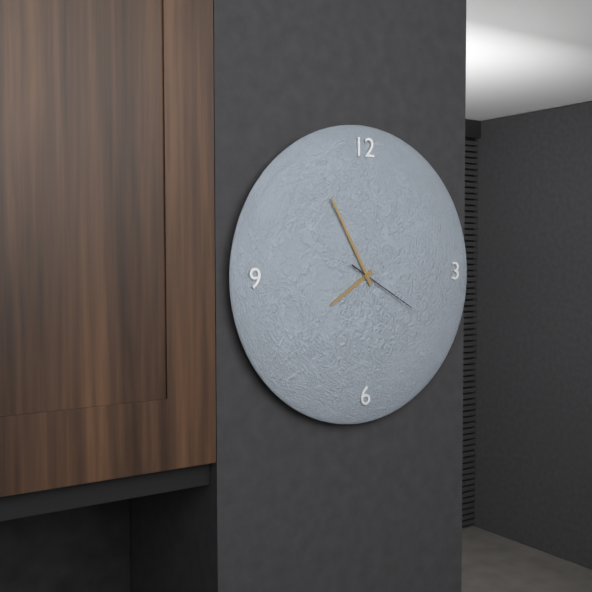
7 h 55 min 20 s
